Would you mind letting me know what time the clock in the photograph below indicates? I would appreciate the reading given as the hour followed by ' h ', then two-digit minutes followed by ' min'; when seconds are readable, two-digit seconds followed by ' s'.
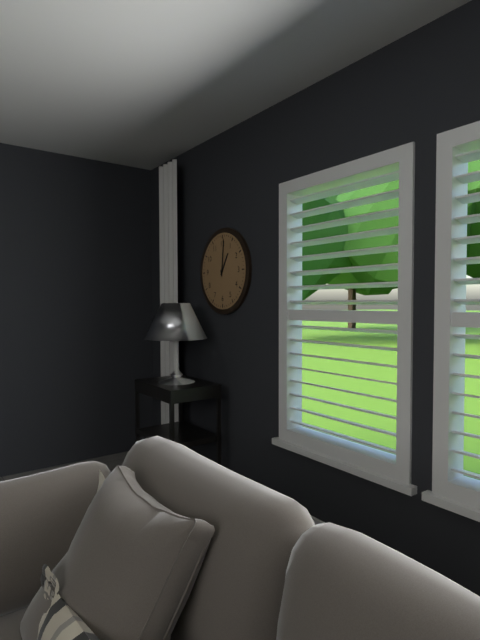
1 h 01 min
